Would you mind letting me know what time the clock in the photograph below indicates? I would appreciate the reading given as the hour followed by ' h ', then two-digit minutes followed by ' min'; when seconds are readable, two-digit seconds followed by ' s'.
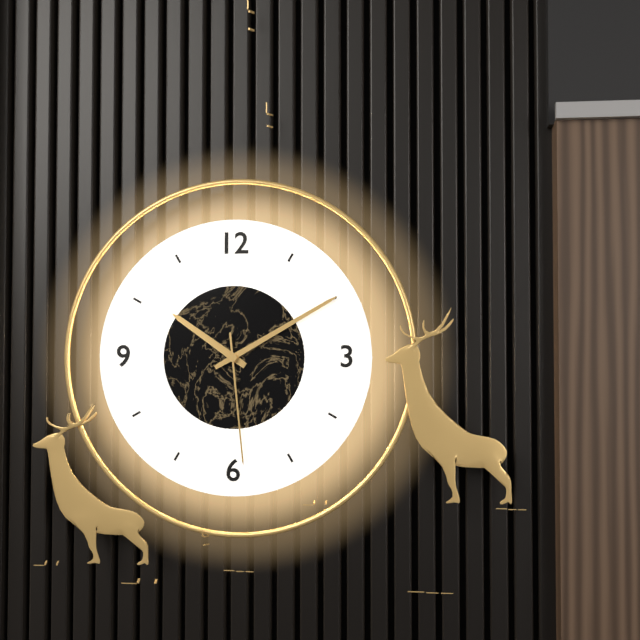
10 h 10 min 29 s
